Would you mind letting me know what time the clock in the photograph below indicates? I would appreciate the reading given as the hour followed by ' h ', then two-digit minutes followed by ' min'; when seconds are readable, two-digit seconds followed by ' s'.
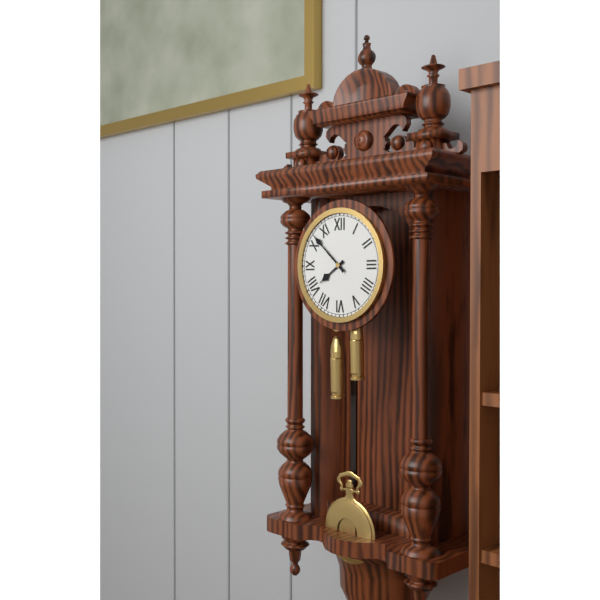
7 h 52 min
